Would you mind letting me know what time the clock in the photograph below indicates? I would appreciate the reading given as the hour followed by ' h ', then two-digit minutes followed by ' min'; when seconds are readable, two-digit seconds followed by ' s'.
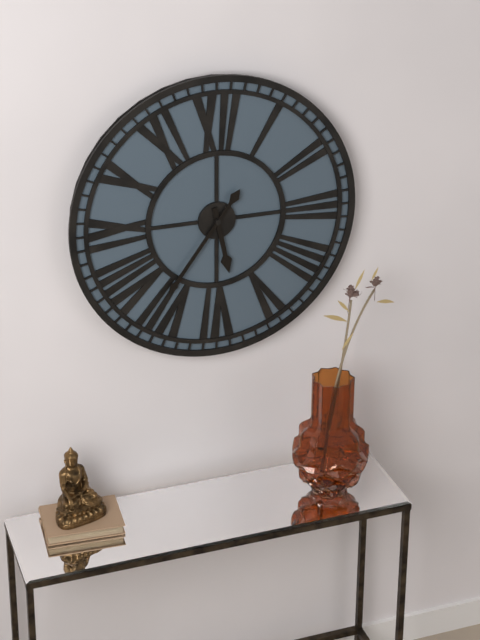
5 h 36 min
